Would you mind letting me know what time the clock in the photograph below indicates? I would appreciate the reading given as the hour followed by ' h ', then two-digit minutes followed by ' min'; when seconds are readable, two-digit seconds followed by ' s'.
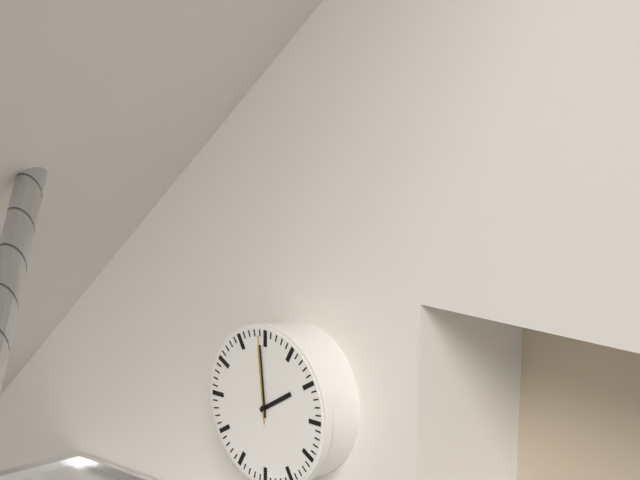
1 h 59 min 59 s
